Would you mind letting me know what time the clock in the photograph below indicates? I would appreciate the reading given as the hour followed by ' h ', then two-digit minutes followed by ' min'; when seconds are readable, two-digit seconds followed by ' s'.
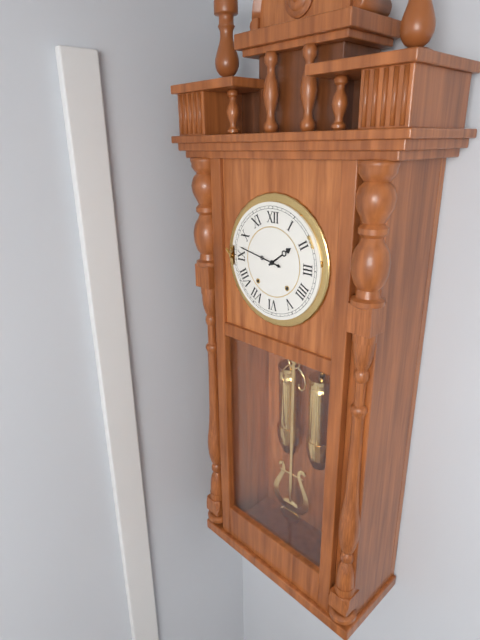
1 h 47 min
